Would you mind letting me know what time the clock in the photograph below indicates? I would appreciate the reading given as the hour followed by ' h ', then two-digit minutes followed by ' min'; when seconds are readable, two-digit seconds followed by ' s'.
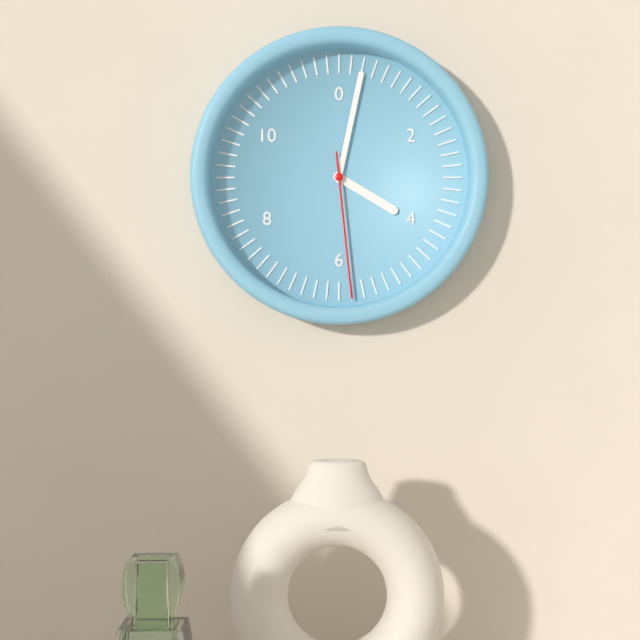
4 h 02 min 29 s
